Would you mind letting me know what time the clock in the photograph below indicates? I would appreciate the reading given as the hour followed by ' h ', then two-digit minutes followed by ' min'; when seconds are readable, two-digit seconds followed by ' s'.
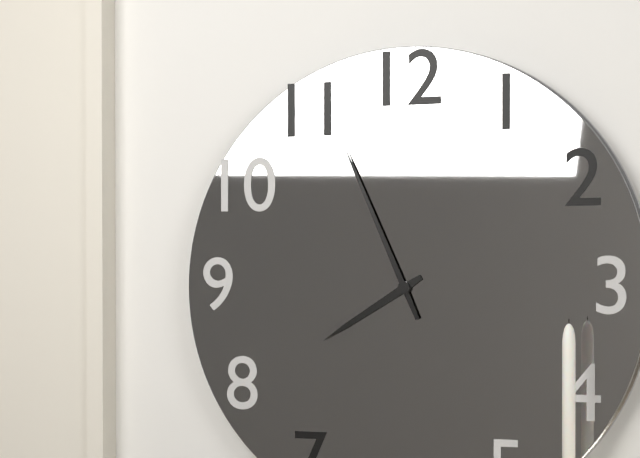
7 h 56 min
